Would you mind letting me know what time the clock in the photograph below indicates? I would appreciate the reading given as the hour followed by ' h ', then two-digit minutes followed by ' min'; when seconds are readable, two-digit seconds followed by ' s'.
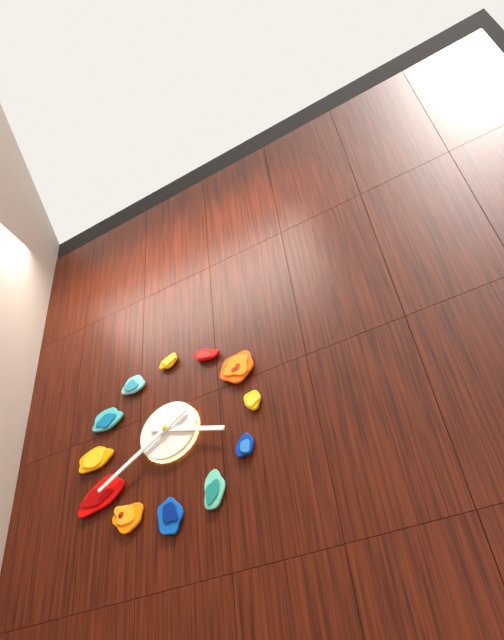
3 h 40 min
